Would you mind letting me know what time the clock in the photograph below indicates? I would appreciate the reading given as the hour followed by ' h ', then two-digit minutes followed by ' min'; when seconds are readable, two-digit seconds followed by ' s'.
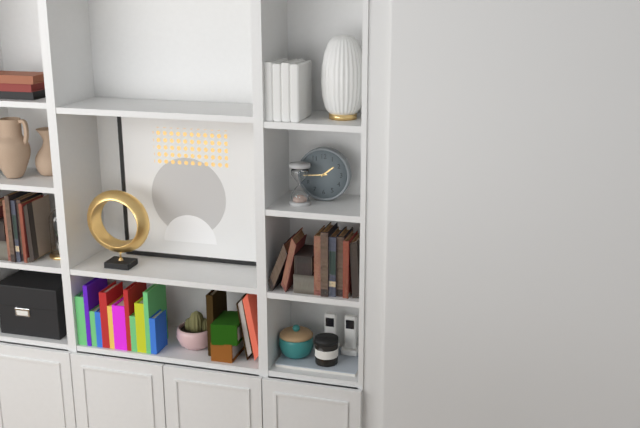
1 h 44 min
